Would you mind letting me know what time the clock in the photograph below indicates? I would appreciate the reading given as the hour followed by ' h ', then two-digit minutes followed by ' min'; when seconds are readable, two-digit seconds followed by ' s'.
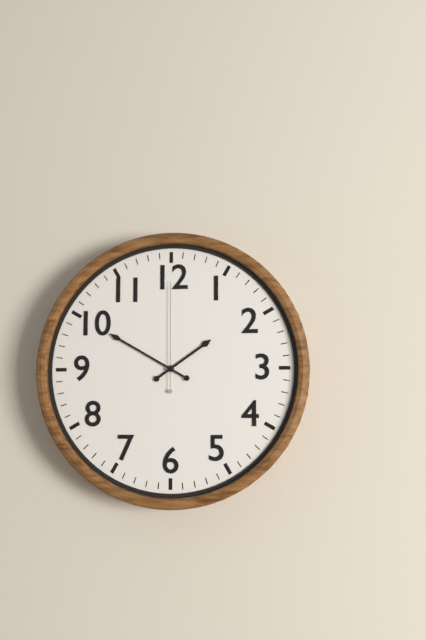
1 h 50 min 00 s
